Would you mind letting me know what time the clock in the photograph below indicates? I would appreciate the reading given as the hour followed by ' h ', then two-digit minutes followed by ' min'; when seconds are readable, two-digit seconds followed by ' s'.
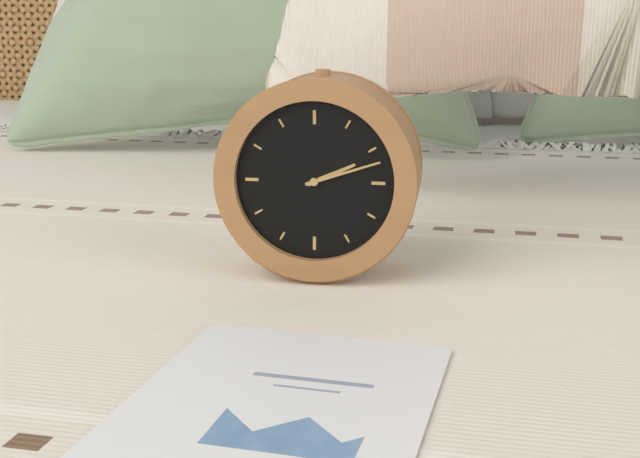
2 h 12 min
